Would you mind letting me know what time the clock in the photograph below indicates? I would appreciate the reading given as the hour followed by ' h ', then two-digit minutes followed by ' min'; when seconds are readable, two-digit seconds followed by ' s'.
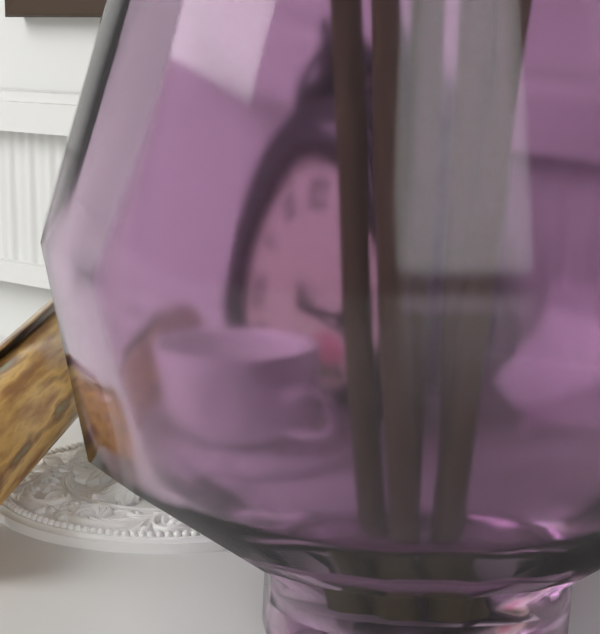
3 h 19 min
